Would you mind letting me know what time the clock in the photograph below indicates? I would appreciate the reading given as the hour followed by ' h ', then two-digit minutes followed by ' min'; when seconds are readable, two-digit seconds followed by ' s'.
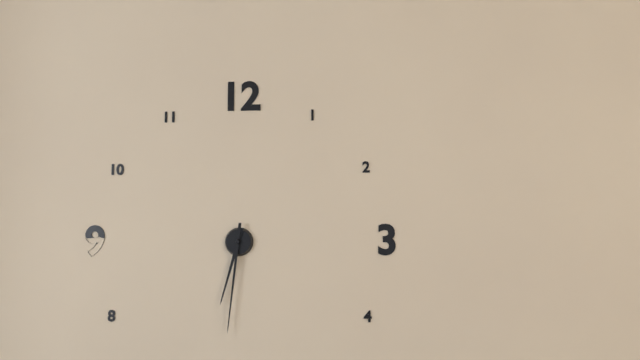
6 h 31 min
